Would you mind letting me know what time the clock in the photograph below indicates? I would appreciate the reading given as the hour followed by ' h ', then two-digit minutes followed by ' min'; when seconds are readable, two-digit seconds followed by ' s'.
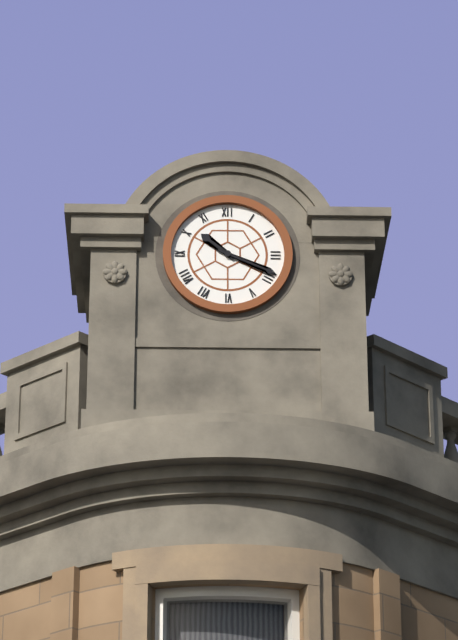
10 h 19 min
